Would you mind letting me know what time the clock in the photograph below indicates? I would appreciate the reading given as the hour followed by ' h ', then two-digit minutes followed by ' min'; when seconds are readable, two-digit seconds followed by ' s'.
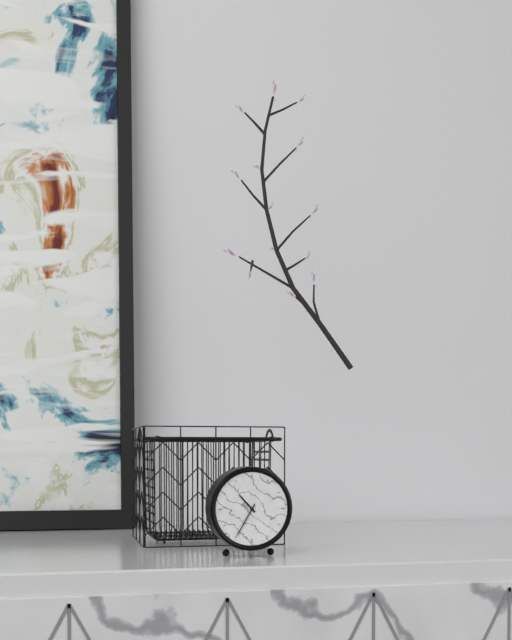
10 h 35 min
